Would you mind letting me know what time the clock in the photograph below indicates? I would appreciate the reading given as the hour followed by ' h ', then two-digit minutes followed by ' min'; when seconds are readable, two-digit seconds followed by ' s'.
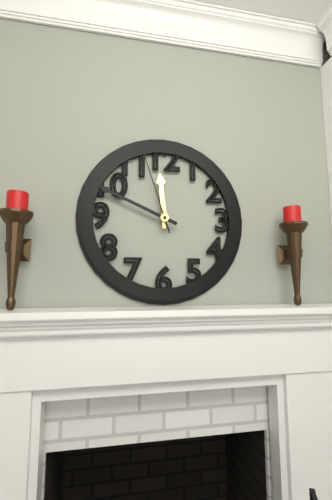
11 h 49 min 57 s
